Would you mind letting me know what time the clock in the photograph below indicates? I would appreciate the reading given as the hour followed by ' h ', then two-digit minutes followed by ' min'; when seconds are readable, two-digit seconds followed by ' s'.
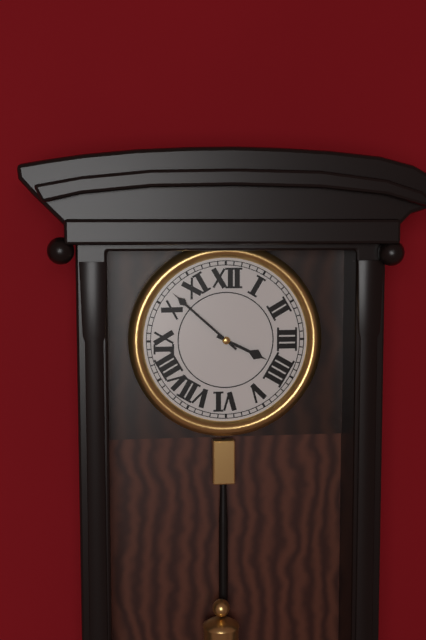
3 h 52 min
